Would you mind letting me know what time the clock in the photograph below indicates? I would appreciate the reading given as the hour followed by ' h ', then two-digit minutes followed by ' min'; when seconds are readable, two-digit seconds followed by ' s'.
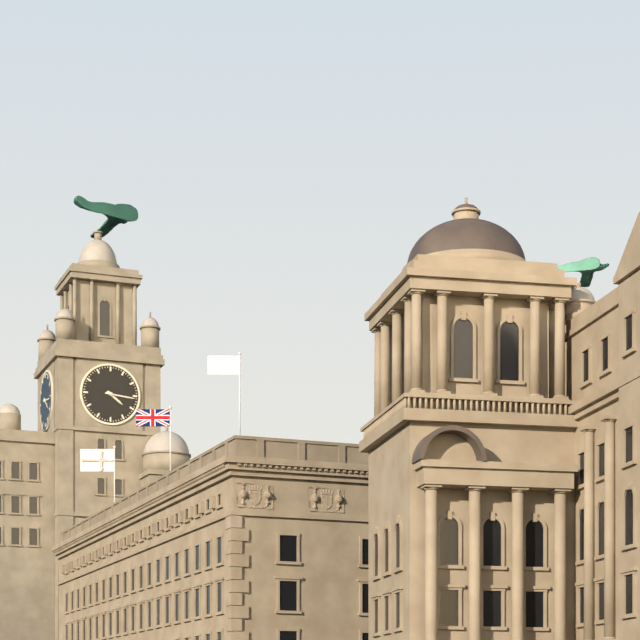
4 h 16 min
